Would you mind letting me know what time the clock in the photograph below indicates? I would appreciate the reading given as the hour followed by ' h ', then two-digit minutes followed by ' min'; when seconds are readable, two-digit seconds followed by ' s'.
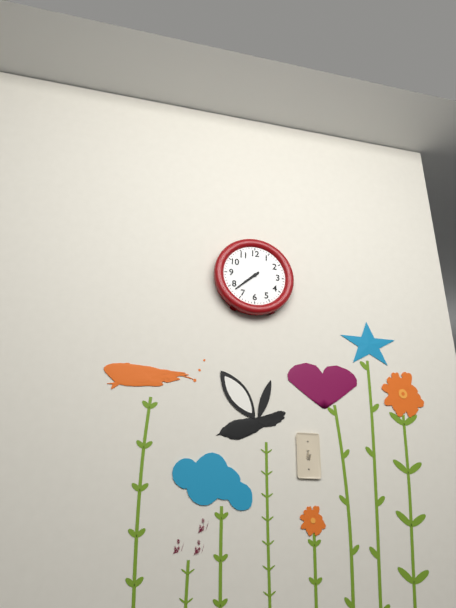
7 h 38 min
